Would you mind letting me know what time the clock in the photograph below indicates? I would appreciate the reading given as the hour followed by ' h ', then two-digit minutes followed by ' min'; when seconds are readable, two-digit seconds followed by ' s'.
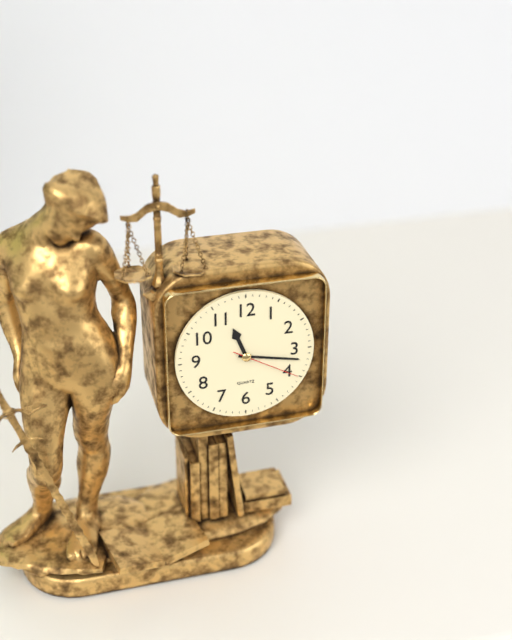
11 h 17 min 20 s
